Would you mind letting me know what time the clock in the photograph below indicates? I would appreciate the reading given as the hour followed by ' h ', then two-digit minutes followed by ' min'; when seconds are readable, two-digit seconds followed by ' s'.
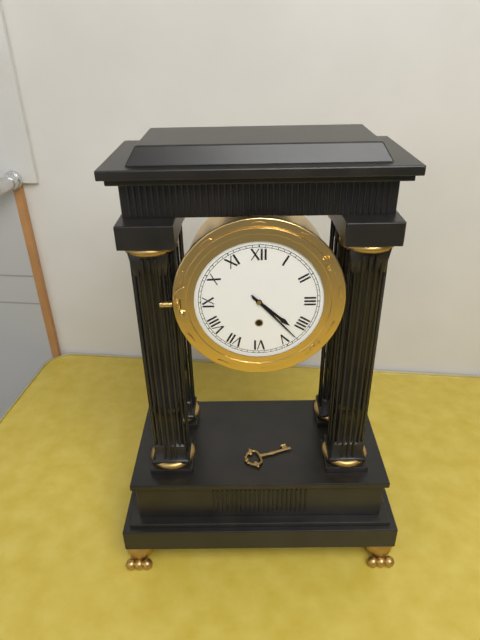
4 h 23 min
